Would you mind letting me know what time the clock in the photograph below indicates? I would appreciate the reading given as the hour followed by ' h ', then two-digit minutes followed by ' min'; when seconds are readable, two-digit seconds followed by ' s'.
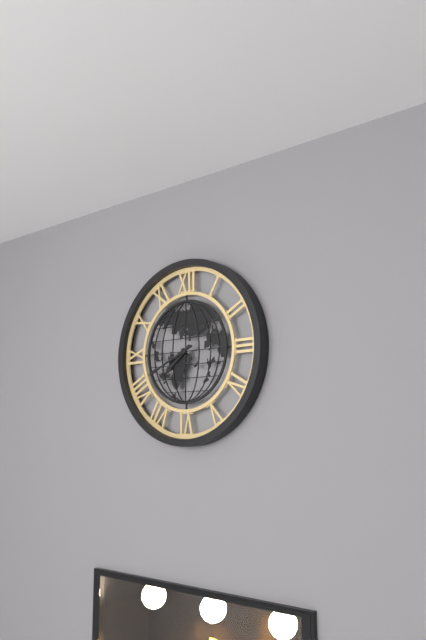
7 h 41 min
